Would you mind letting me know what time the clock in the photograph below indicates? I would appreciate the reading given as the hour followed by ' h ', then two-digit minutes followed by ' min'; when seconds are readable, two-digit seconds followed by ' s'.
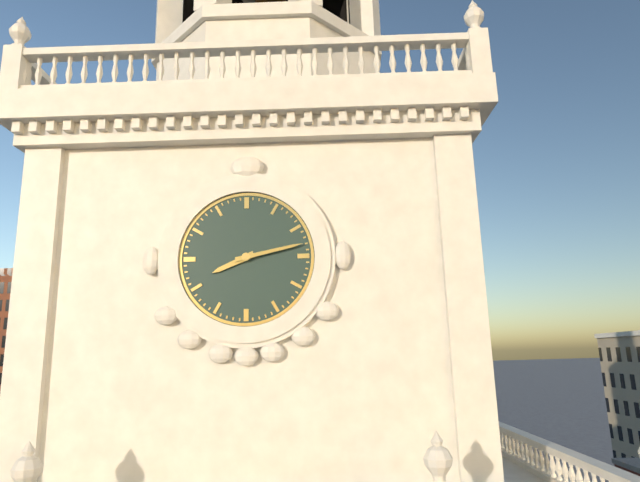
8 h 13 min
